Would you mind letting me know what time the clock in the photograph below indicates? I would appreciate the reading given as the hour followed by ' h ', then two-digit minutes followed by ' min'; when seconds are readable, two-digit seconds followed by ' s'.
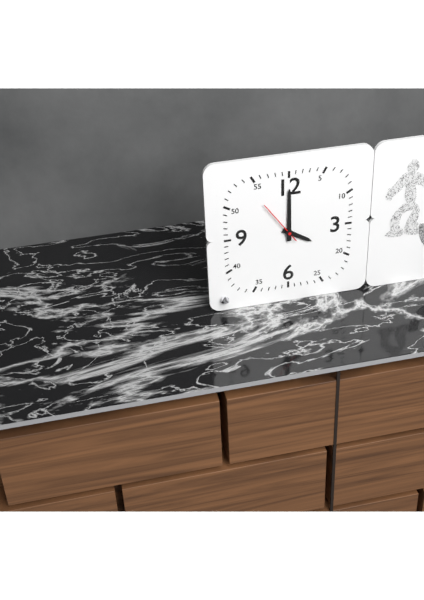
4 h 00 min
